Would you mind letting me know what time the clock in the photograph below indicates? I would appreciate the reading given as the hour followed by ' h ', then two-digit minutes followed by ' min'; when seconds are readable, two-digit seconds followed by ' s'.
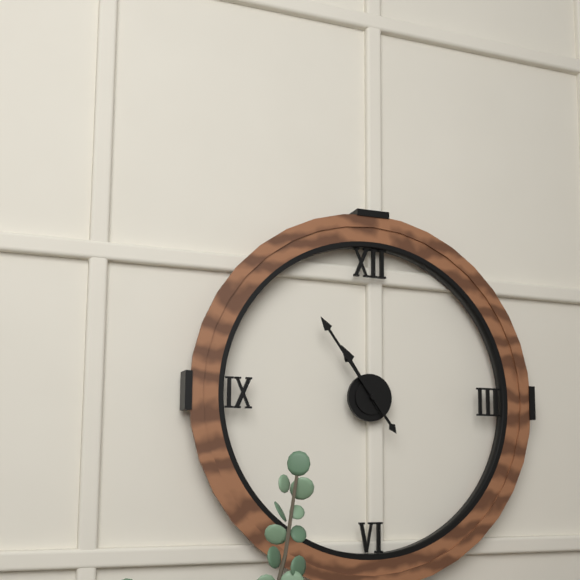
10 h 54 min
